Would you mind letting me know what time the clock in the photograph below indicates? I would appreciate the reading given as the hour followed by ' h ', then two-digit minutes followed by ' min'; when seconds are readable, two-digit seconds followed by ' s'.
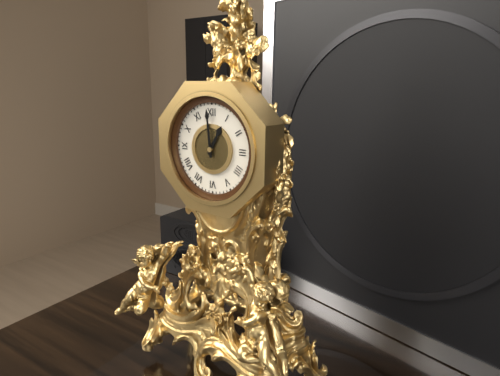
12 h 59 min
